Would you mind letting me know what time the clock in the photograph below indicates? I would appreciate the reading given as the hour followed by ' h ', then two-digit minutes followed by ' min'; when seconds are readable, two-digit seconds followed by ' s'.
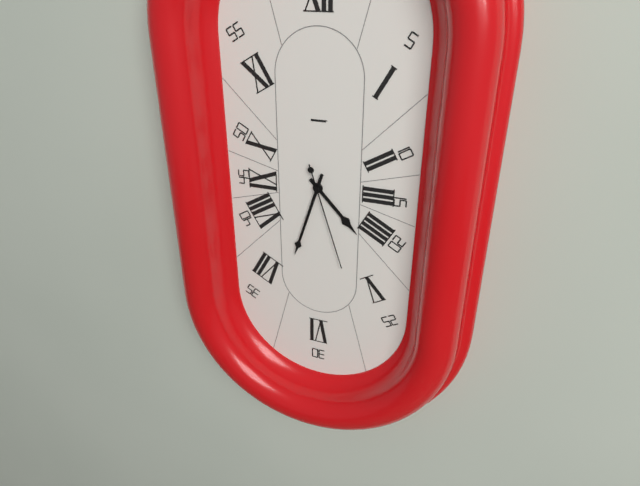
4 h 33 min 27 s
